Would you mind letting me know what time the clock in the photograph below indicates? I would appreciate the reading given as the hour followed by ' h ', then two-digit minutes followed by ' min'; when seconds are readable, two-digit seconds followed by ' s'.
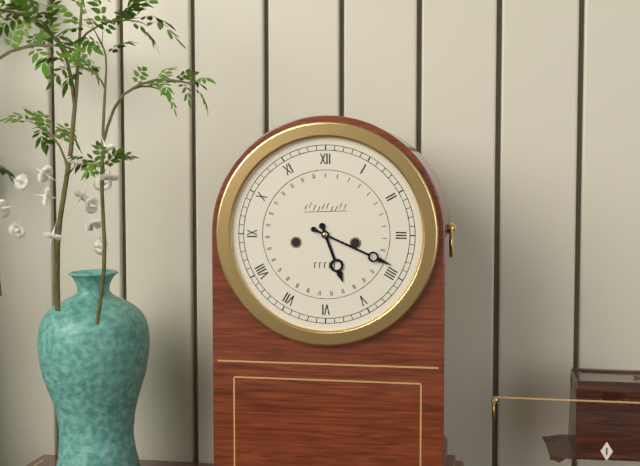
5 h 19 min
